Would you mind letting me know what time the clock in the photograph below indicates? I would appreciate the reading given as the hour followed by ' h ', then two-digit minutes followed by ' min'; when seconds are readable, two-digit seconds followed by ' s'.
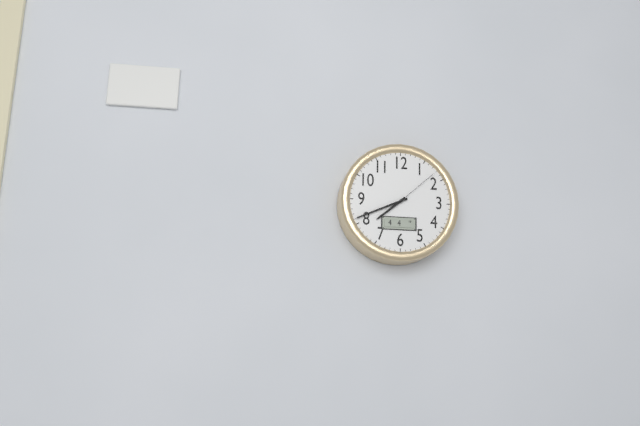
7 h 41 min 08 s
